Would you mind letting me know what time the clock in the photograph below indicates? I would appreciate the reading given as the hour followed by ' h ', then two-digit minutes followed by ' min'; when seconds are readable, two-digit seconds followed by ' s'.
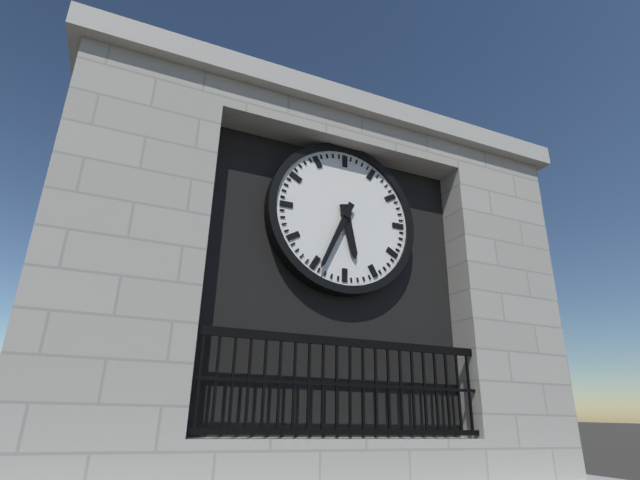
5 h 34 min
